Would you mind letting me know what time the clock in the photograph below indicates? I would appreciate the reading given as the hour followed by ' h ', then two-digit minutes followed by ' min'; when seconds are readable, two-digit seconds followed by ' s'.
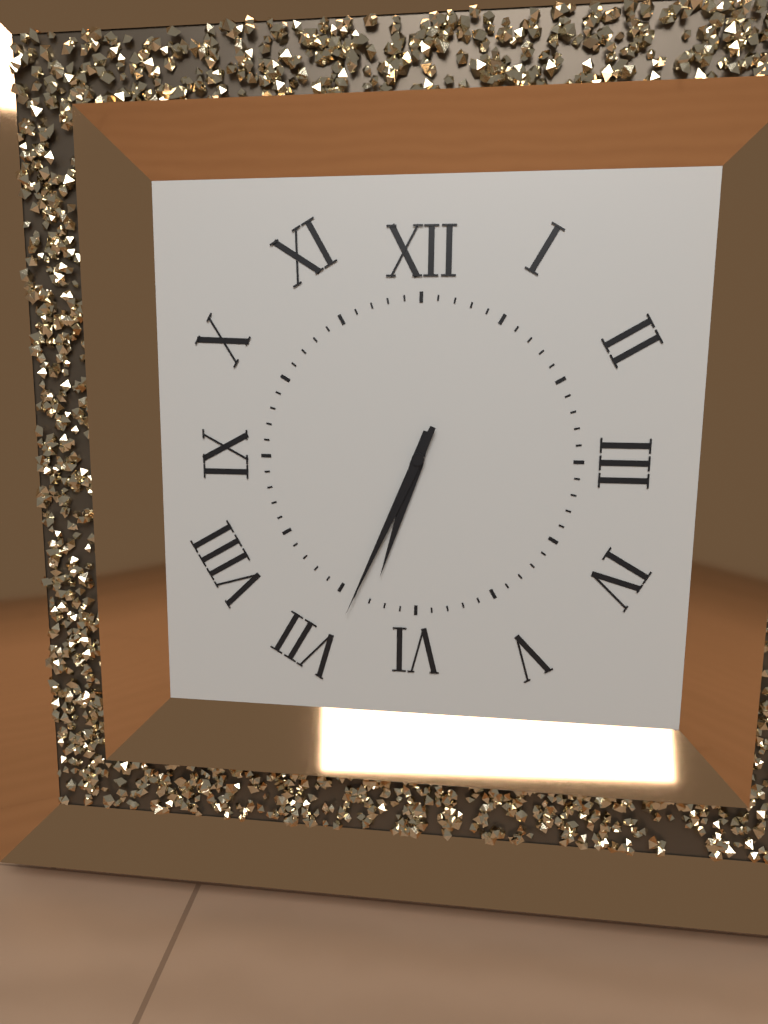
6 h 34 min
